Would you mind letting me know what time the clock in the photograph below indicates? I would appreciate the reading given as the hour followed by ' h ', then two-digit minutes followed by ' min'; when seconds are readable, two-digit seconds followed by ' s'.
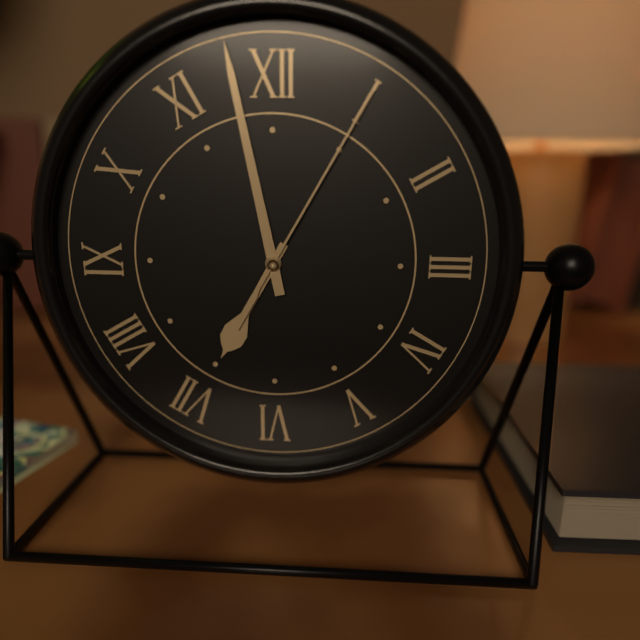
6 h 58 min 05 s
